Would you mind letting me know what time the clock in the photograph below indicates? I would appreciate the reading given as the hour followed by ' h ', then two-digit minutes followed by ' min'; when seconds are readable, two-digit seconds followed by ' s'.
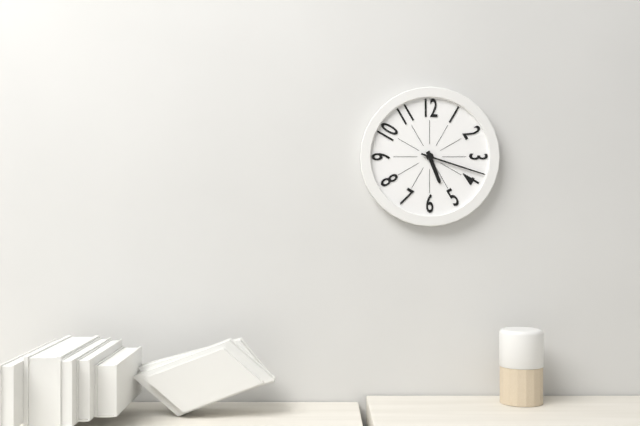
5 h 18 min
